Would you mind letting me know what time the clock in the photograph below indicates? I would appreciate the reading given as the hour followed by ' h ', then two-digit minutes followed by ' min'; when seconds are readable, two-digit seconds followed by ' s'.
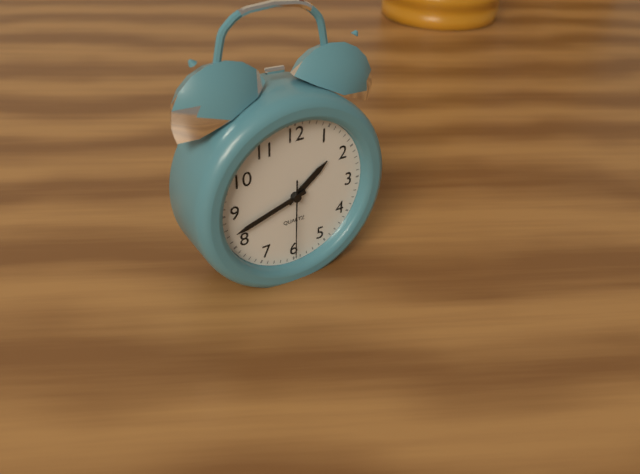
1 h 42 min 30 s
